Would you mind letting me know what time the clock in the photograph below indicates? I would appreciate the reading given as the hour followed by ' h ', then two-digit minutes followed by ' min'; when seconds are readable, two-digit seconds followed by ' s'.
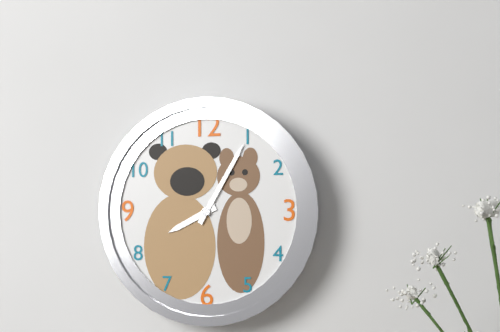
8 h 05 min
